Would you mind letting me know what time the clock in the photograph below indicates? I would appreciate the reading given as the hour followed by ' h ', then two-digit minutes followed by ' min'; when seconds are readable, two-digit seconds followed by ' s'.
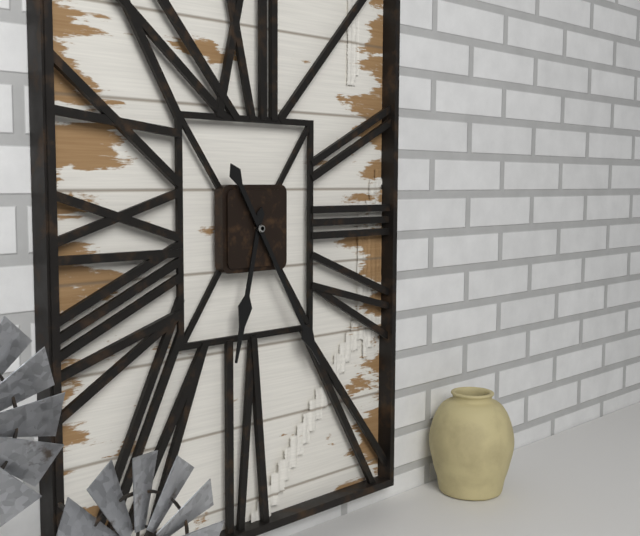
6 h 25 min
